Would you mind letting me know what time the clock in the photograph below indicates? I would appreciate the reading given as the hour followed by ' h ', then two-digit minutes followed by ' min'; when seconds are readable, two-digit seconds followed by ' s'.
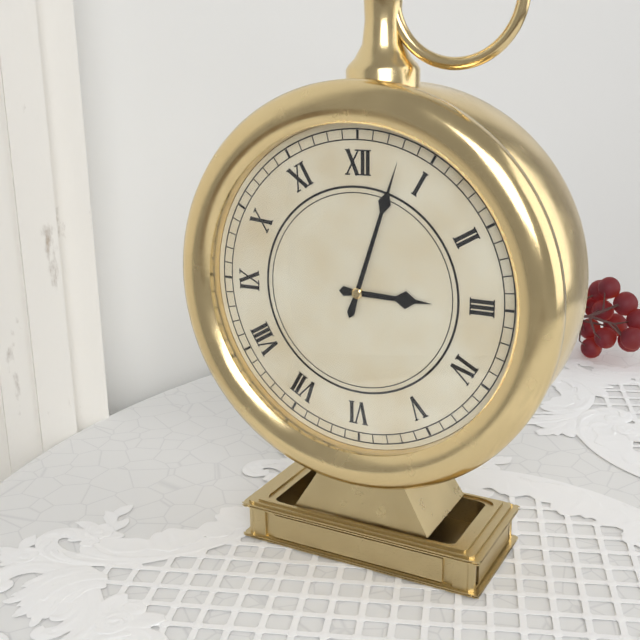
3 h 03 min
